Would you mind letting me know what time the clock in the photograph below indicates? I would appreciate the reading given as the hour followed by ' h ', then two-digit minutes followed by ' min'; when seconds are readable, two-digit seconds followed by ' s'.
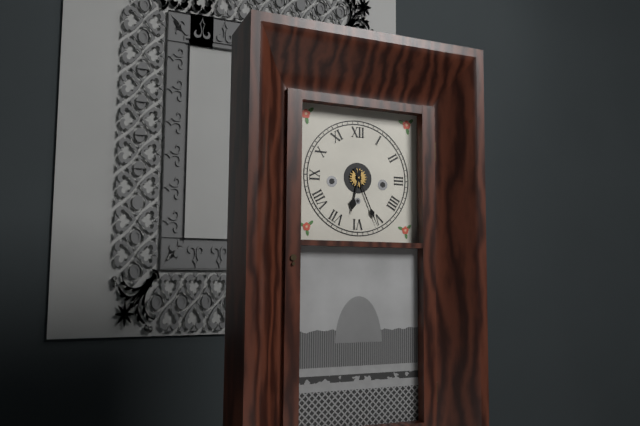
6 h 26 min
